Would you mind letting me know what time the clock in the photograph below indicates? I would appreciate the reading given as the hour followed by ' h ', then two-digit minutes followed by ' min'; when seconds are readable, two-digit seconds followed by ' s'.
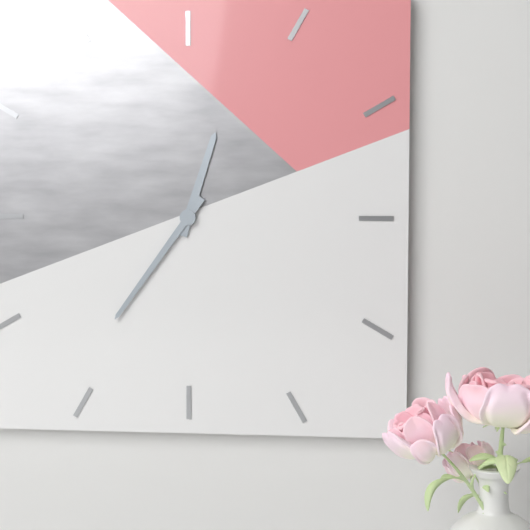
12 h 36 min
